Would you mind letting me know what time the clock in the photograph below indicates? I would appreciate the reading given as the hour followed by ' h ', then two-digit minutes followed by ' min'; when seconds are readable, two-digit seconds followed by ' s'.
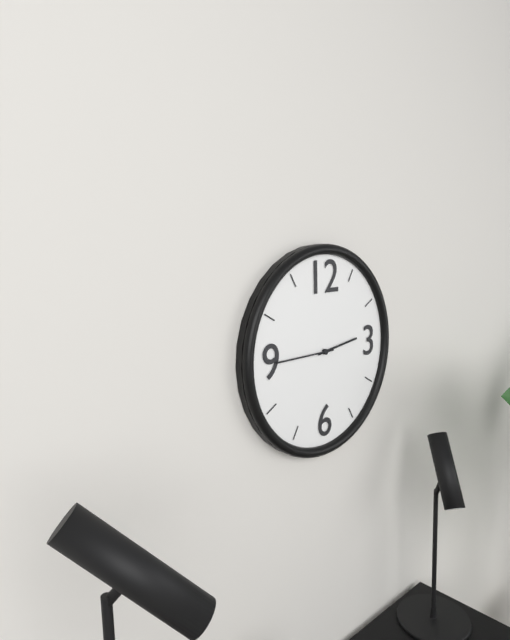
2 h 45 min
